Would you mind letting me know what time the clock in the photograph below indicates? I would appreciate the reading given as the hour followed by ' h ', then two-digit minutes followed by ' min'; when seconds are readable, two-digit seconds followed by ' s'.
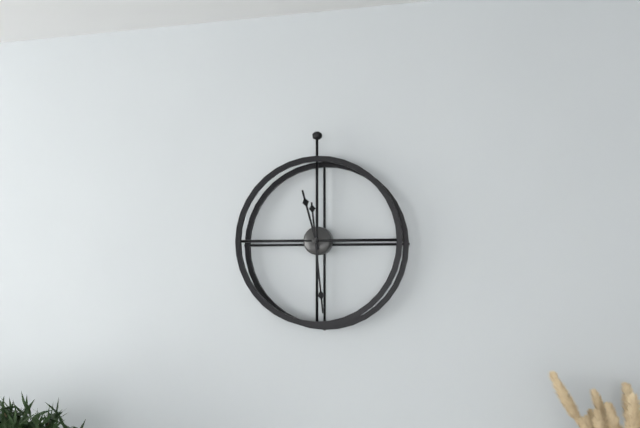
11 h 29 min
